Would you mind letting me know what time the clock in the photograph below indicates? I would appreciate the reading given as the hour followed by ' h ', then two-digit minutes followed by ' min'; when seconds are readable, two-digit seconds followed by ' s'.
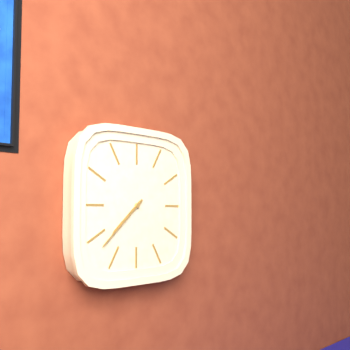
7 h 38 min
